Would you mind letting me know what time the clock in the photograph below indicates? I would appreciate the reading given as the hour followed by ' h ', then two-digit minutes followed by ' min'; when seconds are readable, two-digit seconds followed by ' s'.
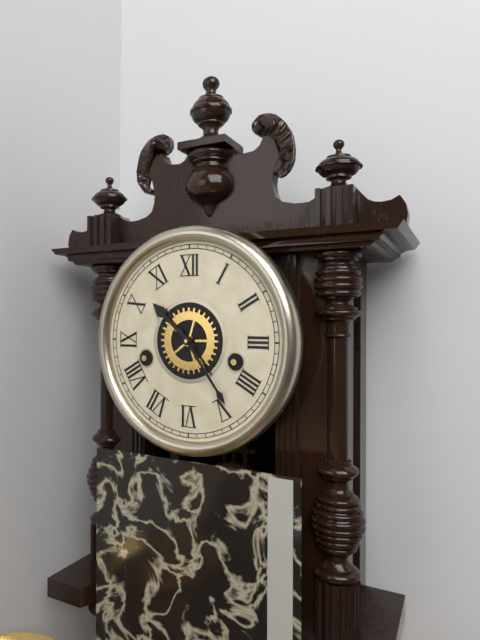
10 h 24 min
